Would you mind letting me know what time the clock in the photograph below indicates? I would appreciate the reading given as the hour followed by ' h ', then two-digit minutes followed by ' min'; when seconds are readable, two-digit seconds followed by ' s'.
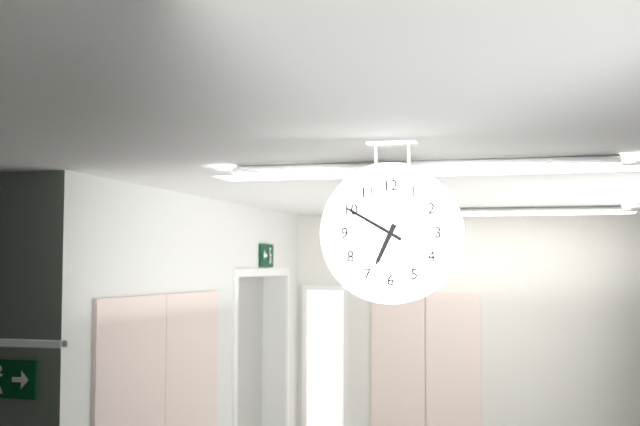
6 h 50 min
